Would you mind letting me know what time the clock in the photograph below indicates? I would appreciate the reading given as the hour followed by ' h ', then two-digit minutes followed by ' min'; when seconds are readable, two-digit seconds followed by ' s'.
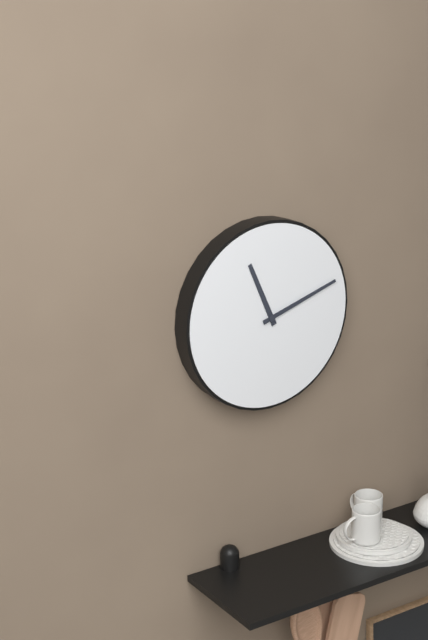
11 h 12 min
